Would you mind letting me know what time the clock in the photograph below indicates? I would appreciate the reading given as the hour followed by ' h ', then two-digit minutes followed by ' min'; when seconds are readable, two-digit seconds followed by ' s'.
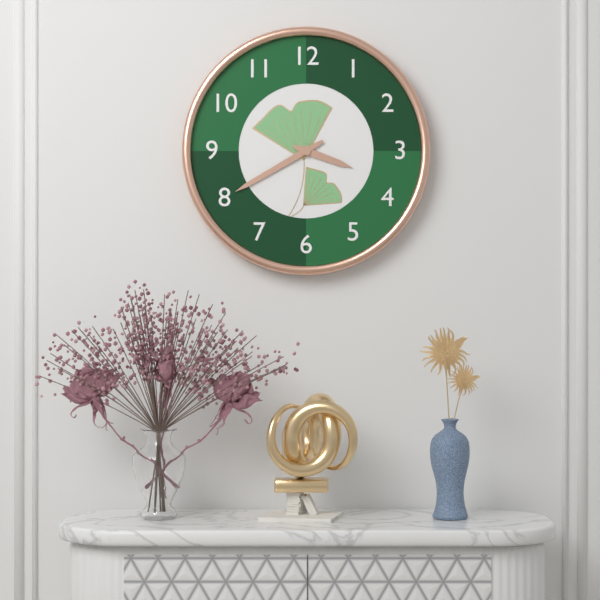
3 h 40 min
